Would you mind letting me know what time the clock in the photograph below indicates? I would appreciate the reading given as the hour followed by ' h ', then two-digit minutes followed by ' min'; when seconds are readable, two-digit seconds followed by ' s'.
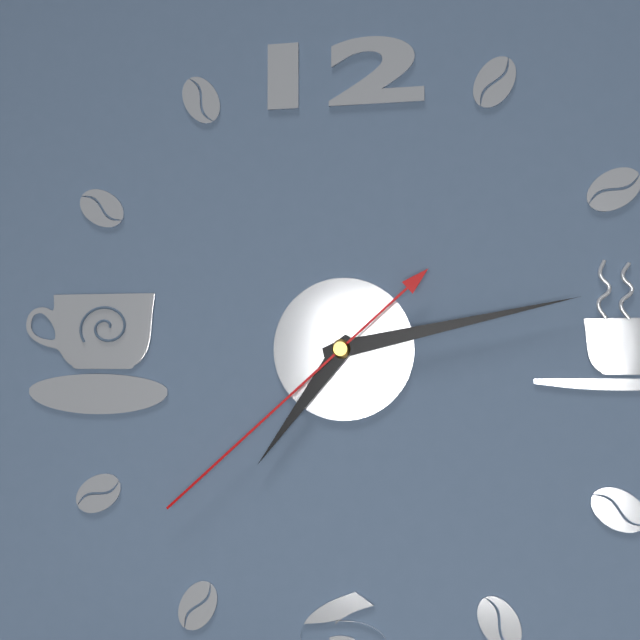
7 h 13 min 38 s
